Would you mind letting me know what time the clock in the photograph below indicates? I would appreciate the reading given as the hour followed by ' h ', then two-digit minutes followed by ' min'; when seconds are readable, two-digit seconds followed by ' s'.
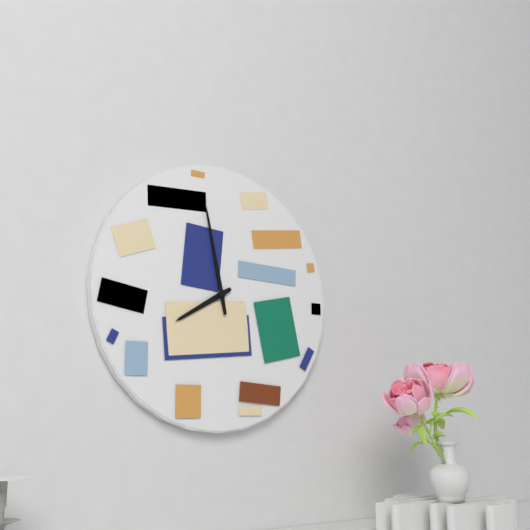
7 h 58 min
